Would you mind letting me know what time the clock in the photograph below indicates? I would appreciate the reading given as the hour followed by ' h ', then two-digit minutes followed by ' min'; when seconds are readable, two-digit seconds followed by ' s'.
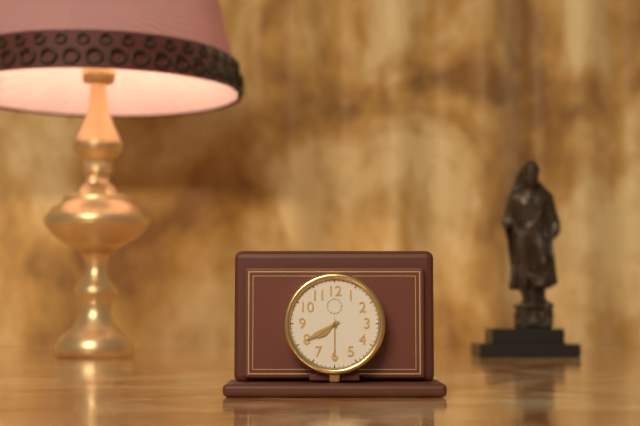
7 h 40 min
